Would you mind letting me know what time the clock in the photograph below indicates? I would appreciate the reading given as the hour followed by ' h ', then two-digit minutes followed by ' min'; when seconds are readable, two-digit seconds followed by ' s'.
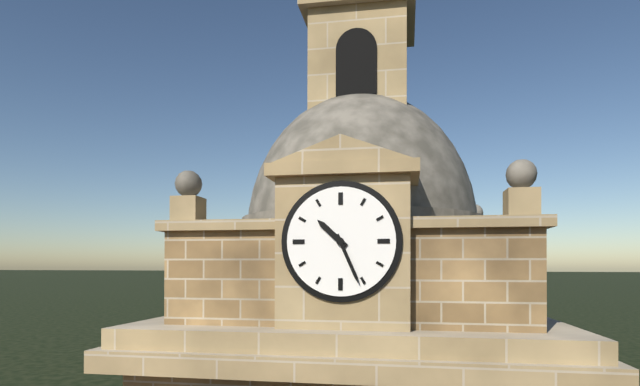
10 h 26 min
